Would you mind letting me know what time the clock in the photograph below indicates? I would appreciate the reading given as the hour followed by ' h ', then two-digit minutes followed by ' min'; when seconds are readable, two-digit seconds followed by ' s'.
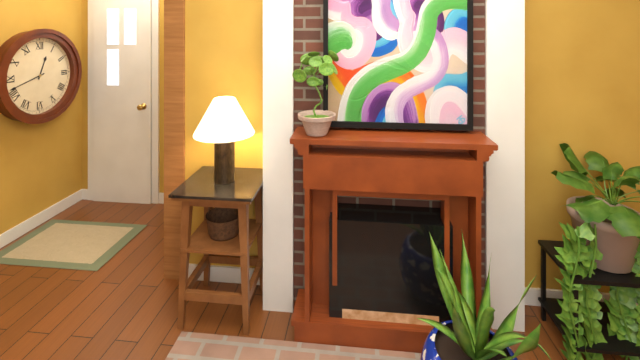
12 h 42 min
